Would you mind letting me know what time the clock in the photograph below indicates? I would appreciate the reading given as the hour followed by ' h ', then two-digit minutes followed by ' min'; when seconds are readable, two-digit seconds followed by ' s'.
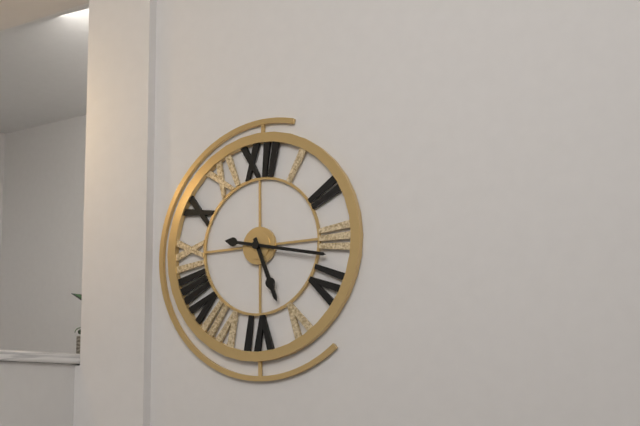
5 h 17 min
